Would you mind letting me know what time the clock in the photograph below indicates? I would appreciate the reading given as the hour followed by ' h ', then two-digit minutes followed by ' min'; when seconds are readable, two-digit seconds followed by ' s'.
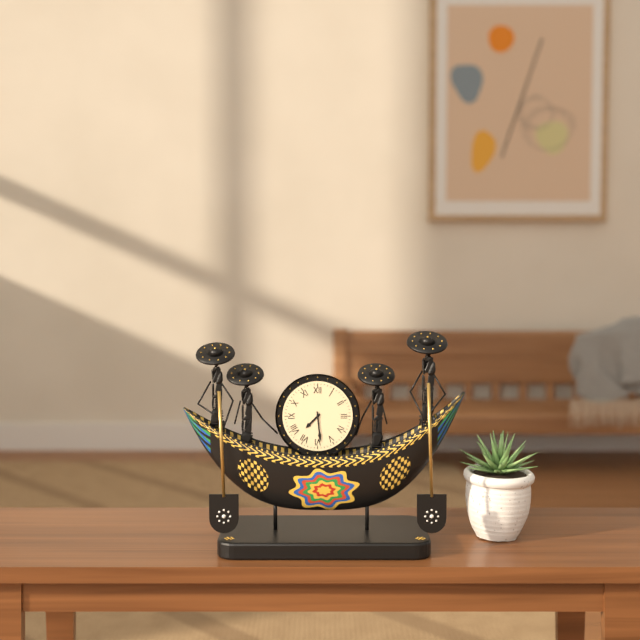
7 h 29 min
